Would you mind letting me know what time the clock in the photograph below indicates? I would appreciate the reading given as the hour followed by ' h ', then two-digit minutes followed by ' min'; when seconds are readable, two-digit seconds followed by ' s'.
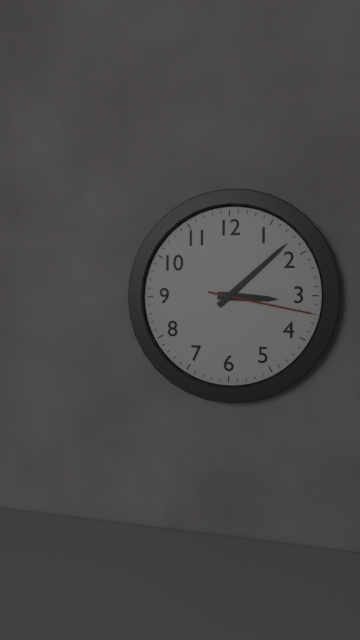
3 h 08 min 17 s
